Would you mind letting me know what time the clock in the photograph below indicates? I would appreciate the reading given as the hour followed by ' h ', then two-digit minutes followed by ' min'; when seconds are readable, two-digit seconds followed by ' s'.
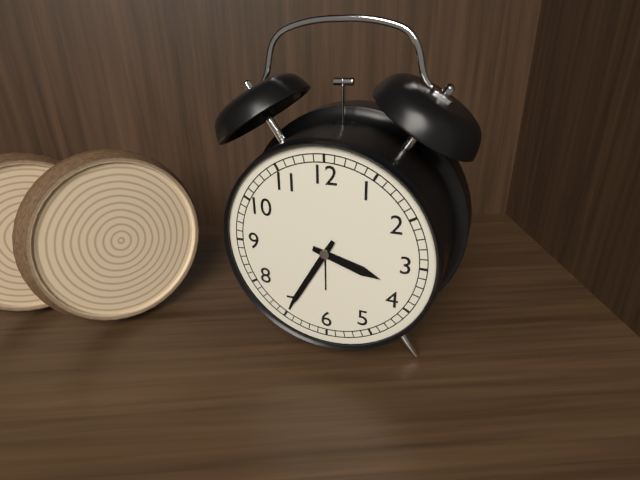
3 h 35 min
